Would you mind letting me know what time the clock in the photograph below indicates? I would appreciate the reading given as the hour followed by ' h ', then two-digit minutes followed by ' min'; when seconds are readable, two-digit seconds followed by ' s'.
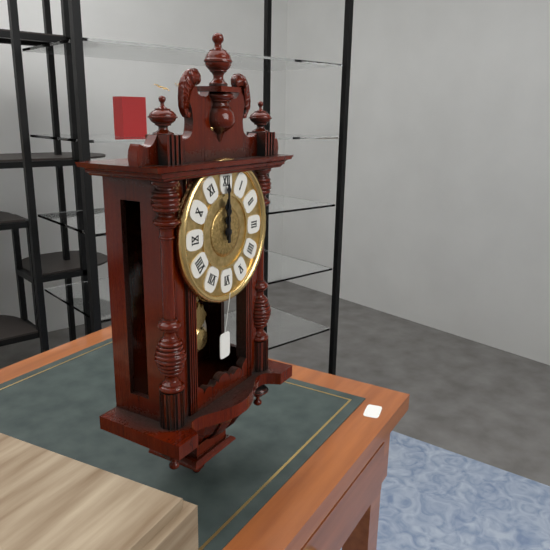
12 h 00 min
